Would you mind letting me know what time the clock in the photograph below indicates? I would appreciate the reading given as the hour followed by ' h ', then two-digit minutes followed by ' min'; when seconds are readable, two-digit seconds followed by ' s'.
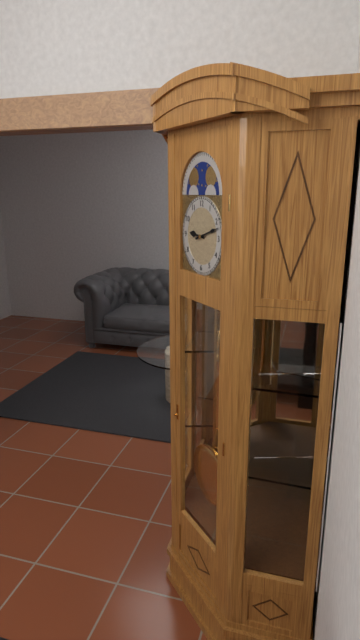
9 h 12 min
